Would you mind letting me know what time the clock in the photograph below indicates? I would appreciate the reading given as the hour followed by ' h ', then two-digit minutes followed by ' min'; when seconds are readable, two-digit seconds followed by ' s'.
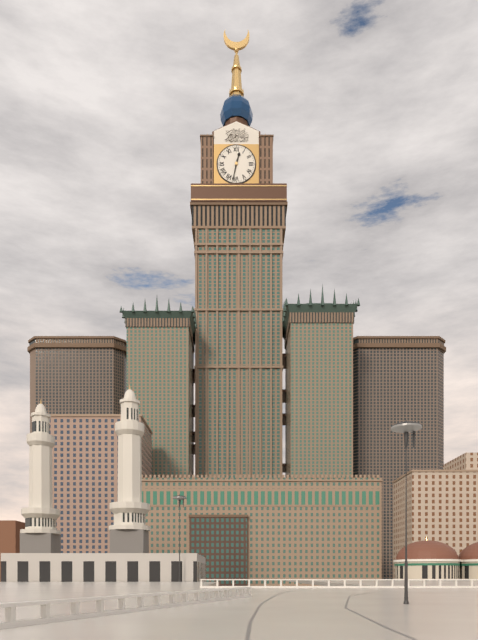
12 h 32 min
